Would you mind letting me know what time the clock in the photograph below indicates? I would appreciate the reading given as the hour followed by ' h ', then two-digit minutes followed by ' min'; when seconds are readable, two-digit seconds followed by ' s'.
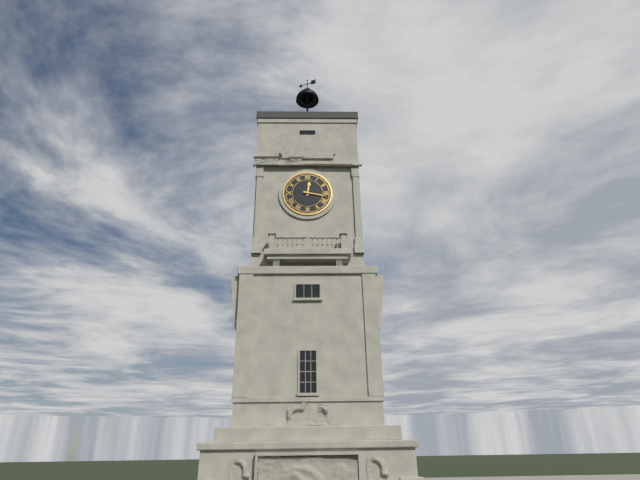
12 h 17 min
